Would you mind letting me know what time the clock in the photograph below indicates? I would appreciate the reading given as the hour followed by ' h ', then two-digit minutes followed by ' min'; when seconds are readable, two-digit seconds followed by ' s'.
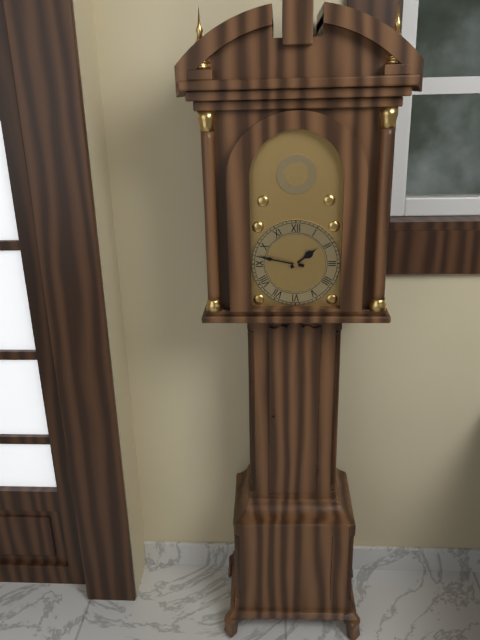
1 h 47 min
